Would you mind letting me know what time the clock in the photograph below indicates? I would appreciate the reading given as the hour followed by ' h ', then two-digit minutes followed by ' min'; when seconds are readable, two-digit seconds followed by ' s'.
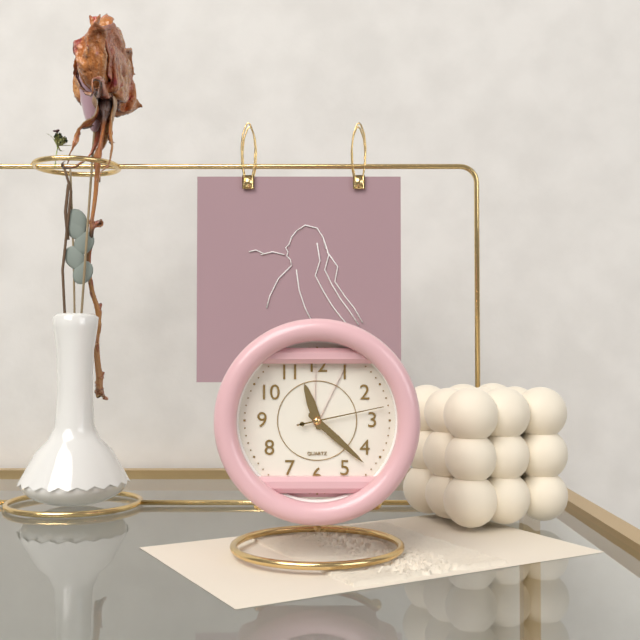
11 h 22 min 13 s
